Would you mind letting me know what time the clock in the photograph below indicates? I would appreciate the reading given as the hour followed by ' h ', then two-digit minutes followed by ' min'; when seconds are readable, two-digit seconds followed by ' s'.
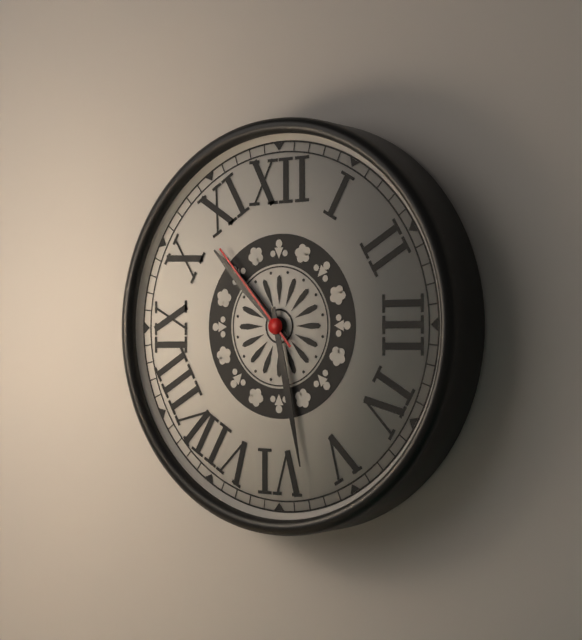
10 h 28 min 53 s
